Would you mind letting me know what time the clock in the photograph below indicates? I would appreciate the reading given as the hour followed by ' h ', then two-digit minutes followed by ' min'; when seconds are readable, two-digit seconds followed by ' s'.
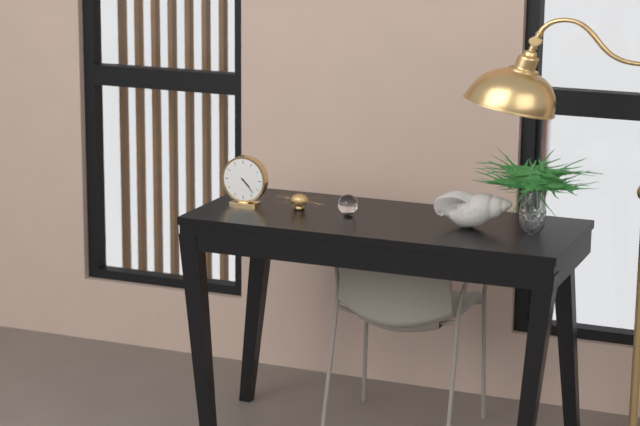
4 h 23 min
